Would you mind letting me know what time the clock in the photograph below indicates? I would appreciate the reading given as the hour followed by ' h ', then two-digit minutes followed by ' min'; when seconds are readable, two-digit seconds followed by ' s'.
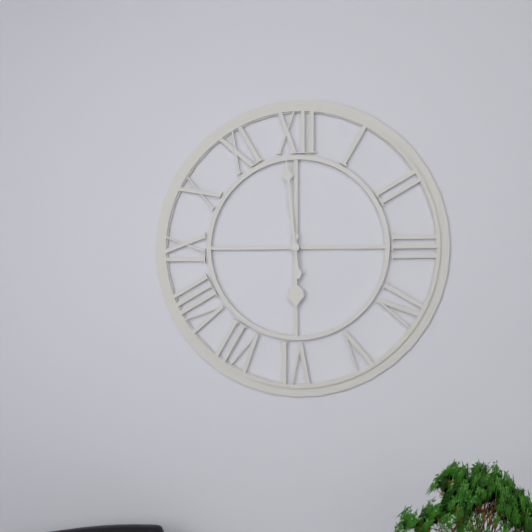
5 h 59 min
